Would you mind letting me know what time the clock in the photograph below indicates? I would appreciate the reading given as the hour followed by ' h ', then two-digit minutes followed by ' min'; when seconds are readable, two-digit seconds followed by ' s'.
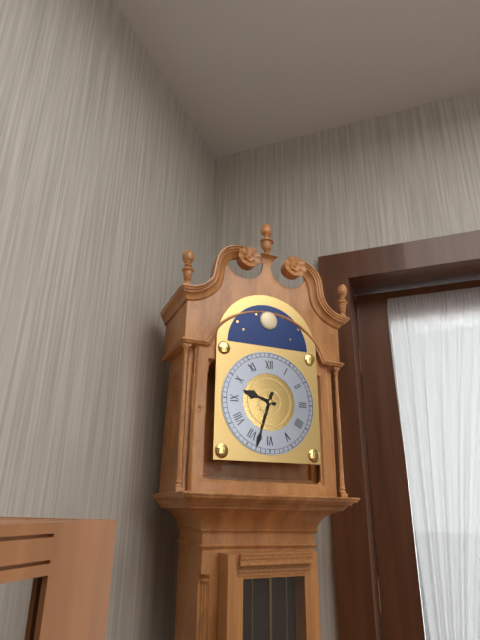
9 h 33 min
